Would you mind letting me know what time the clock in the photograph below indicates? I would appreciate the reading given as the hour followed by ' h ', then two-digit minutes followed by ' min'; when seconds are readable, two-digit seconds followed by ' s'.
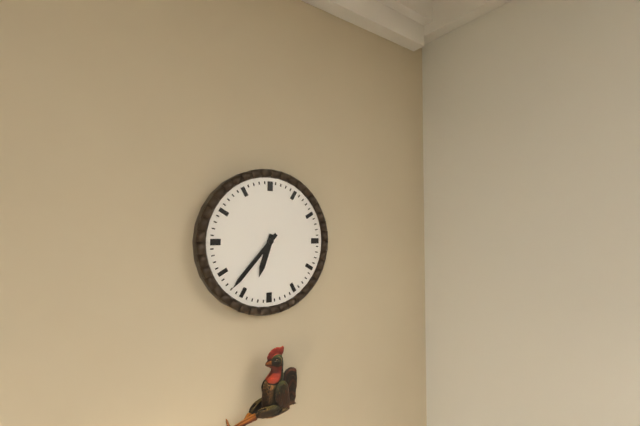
6 h 37 min
